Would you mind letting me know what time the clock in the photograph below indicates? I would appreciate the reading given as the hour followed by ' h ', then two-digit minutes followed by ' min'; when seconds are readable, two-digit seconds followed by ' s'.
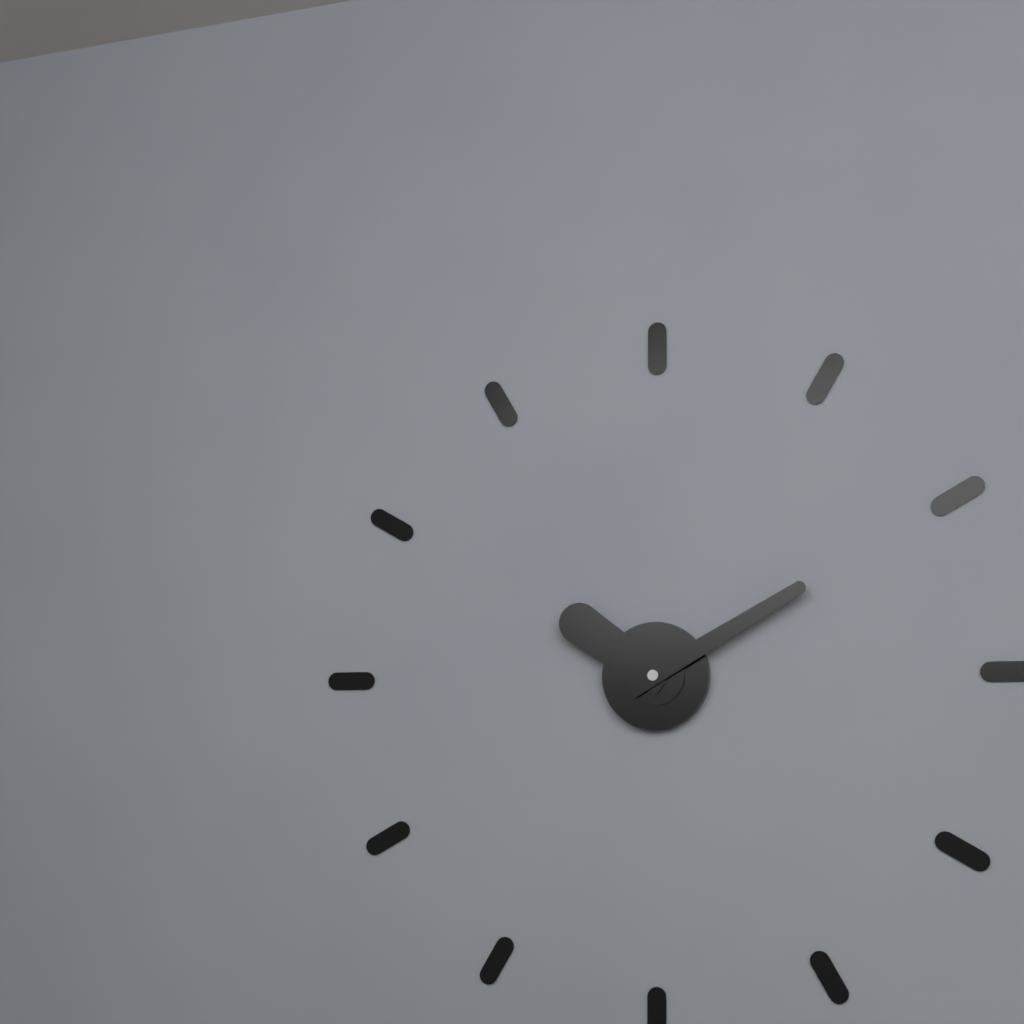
10 h 10 min
